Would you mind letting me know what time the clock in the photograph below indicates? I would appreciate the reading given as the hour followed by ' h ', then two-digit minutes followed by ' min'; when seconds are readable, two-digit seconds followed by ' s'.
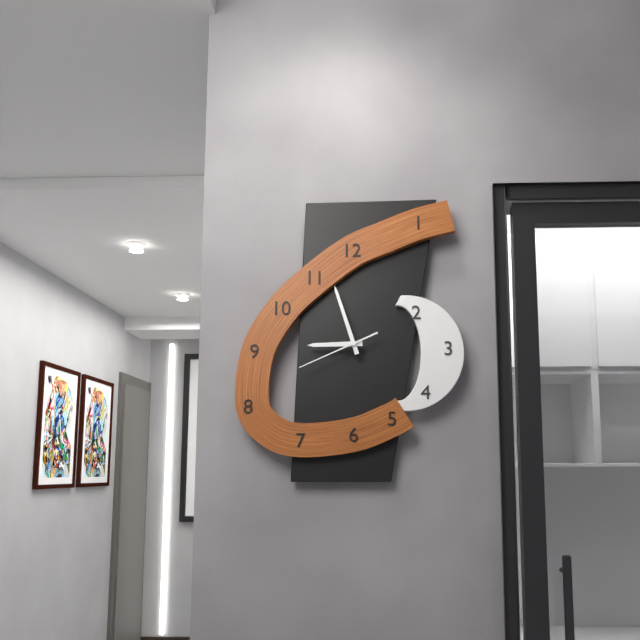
8 h 57 min 41 s
